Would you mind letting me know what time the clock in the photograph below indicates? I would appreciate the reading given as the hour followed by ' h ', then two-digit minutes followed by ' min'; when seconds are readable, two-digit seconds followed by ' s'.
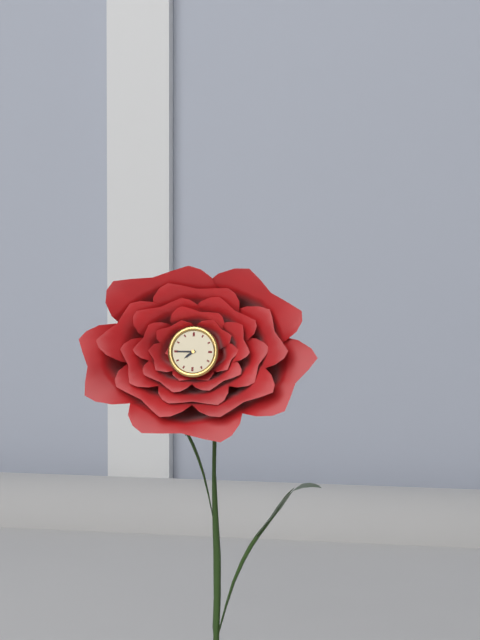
7 h 45 min
